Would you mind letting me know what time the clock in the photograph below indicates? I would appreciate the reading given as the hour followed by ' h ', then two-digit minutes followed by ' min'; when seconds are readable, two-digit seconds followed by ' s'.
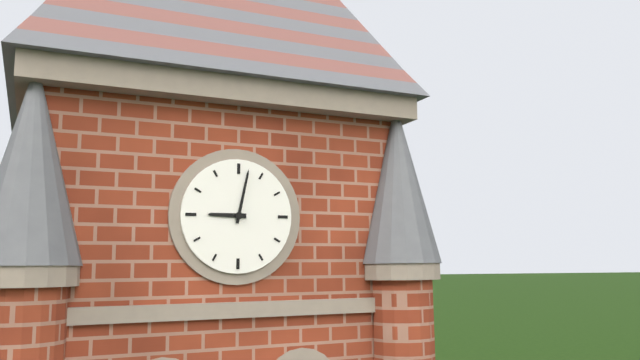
9 h 02 min
